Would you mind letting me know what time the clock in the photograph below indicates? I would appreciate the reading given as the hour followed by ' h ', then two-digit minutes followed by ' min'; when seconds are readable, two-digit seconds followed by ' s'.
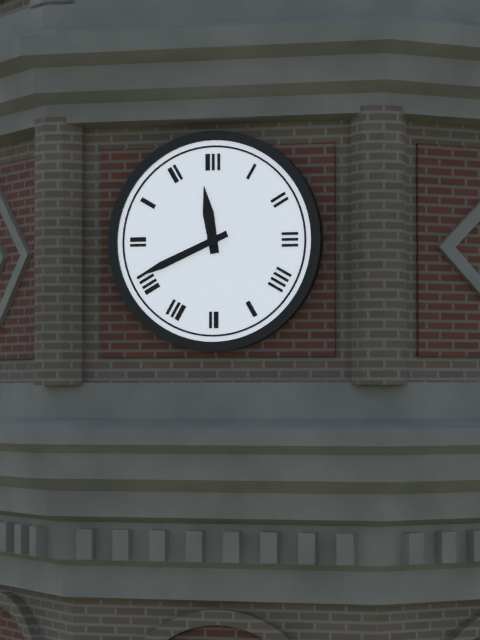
11 h 41 min
